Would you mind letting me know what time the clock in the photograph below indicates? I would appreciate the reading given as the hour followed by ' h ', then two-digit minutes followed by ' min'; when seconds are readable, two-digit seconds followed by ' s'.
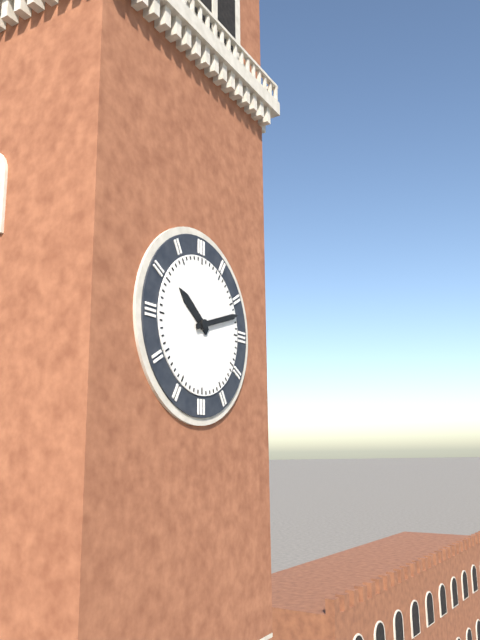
10 h 12 min
